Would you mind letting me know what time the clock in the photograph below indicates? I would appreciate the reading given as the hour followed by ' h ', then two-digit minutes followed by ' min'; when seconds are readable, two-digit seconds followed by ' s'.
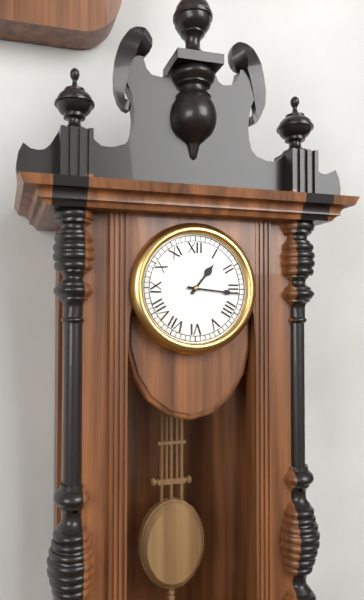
1 h 16 min
